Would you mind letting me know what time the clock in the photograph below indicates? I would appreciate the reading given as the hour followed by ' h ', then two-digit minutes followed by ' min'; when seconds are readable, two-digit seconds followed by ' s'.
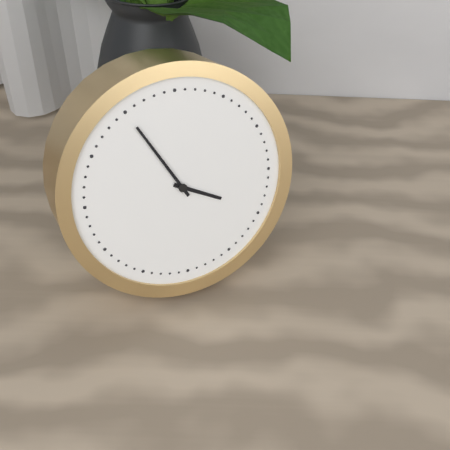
3 h 55 min
